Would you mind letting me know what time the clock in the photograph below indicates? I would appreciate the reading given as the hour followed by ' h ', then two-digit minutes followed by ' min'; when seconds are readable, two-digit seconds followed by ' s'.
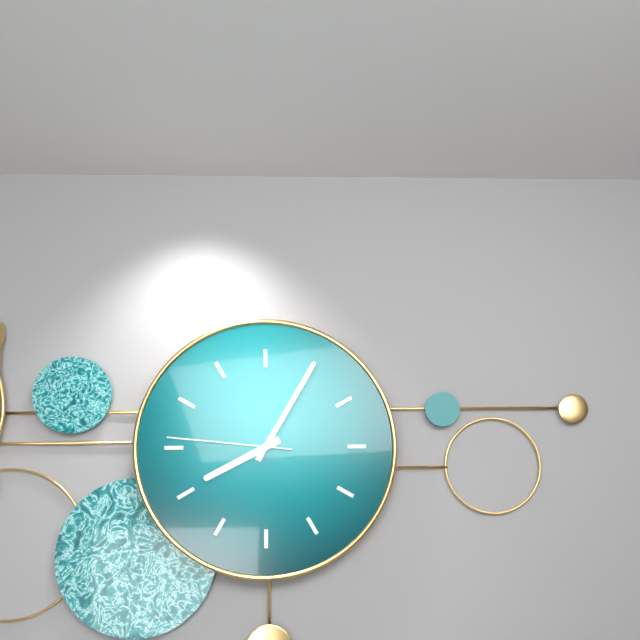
8 h 05 min 46 s
